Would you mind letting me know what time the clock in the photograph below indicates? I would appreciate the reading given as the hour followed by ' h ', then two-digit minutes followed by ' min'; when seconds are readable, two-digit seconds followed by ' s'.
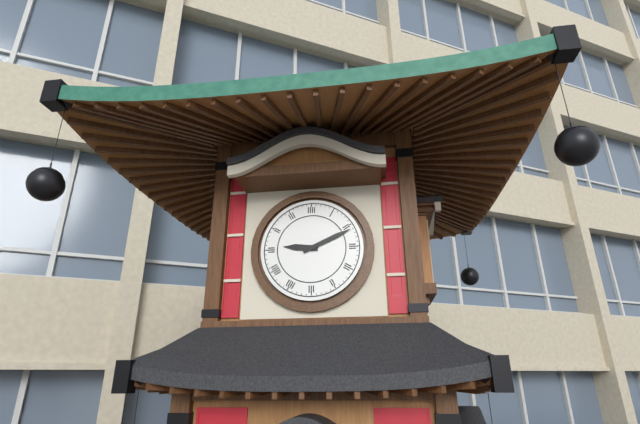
9 h 11 min
